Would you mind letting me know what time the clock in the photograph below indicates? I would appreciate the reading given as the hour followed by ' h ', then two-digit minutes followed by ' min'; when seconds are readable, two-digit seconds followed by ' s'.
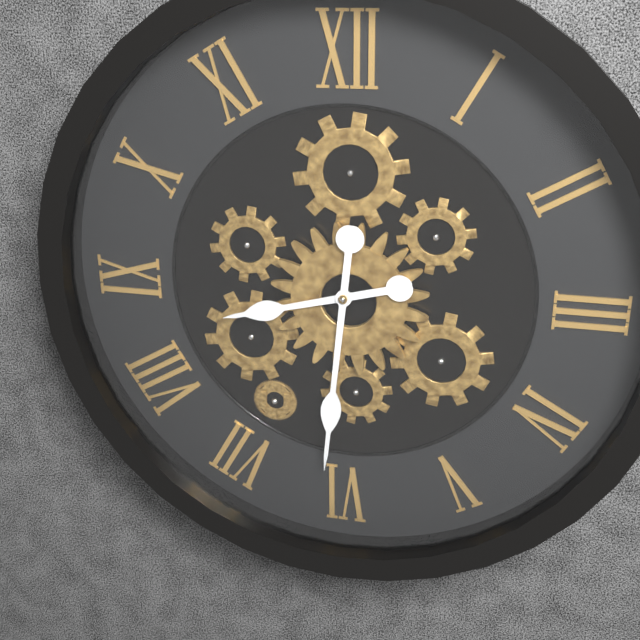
8 h 31 min
